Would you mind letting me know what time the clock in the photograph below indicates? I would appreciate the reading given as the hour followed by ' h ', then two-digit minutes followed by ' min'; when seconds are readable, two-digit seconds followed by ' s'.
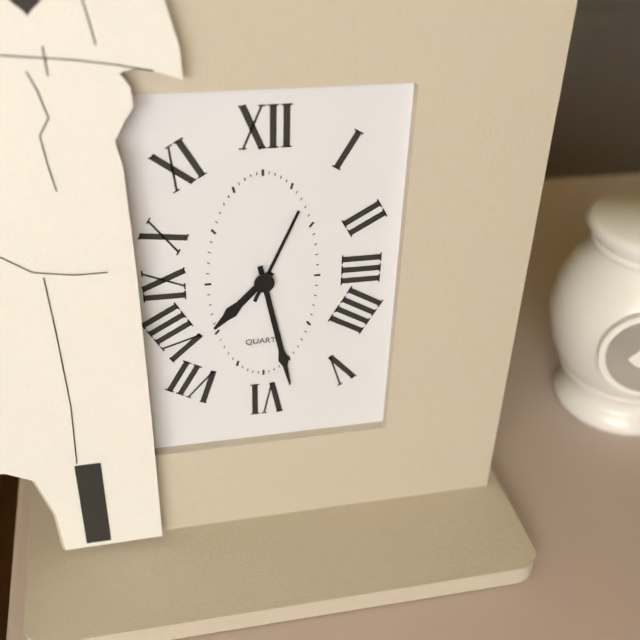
7 h 28 min 04 s
